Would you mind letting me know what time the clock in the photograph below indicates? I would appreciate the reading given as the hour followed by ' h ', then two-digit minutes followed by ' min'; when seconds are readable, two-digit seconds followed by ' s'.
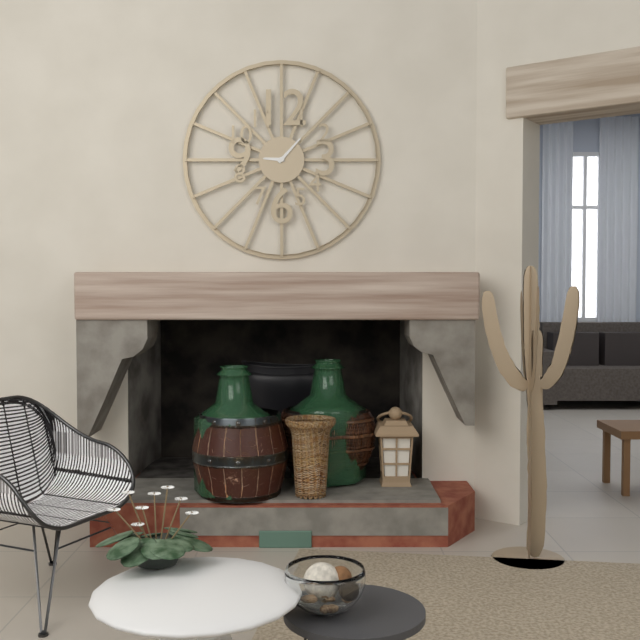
9 h 07 min
